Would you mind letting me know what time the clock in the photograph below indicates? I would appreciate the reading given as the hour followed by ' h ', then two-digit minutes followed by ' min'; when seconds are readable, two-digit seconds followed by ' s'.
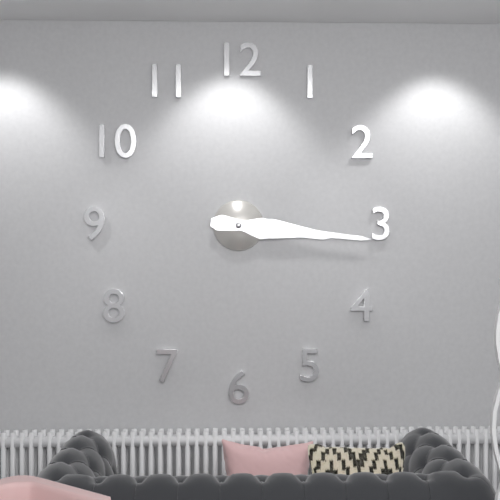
3 h 16 min
